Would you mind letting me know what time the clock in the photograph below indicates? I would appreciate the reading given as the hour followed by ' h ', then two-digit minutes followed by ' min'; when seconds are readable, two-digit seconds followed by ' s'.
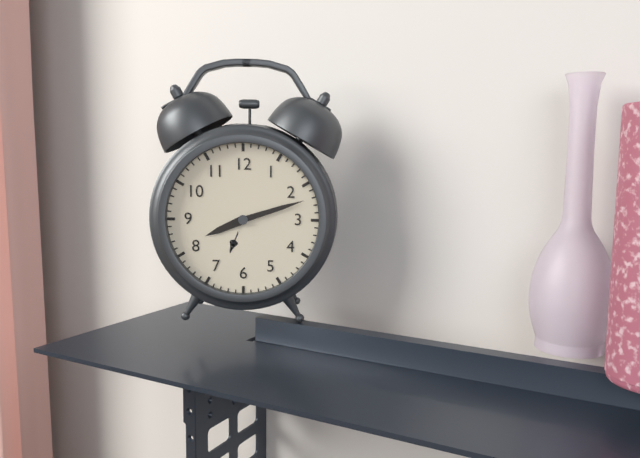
8 h 12 min
